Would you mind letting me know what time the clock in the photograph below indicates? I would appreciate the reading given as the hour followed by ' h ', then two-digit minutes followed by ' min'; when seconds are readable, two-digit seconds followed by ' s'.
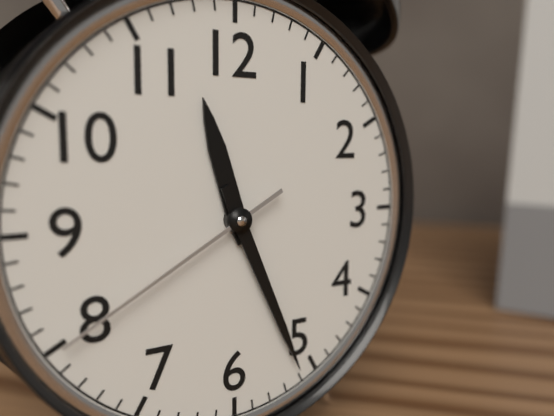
11 h 26 min 40 s
